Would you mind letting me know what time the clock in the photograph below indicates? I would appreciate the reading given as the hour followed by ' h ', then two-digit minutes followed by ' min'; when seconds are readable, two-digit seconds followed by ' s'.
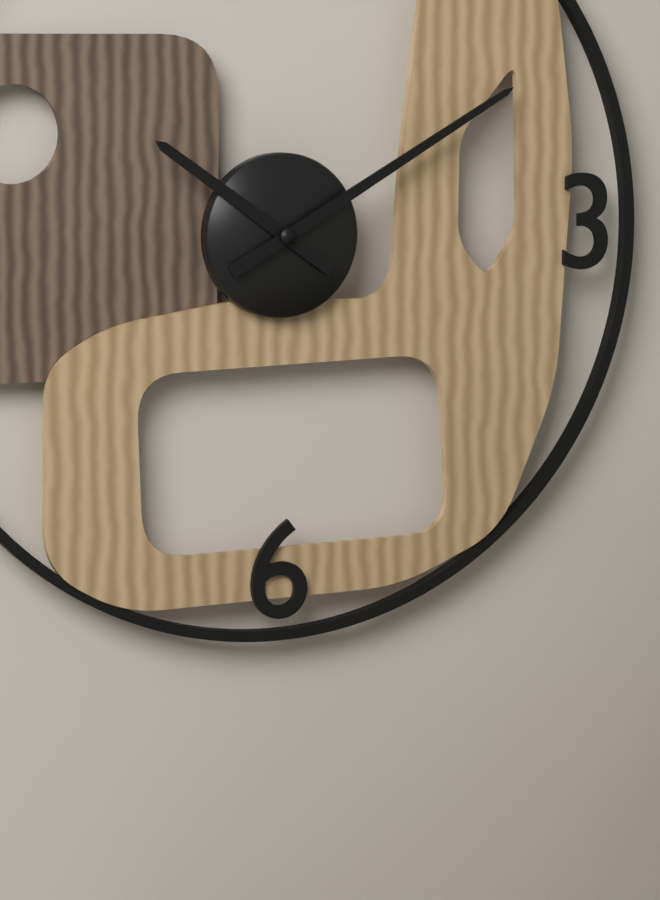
10 h 10 min
